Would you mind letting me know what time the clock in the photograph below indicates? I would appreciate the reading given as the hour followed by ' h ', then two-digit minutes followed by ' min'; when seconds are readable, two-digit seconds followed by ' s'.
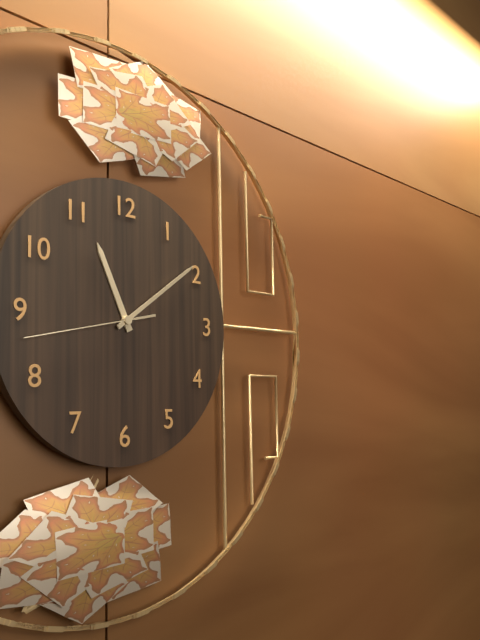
11 h 09 min 43 s
